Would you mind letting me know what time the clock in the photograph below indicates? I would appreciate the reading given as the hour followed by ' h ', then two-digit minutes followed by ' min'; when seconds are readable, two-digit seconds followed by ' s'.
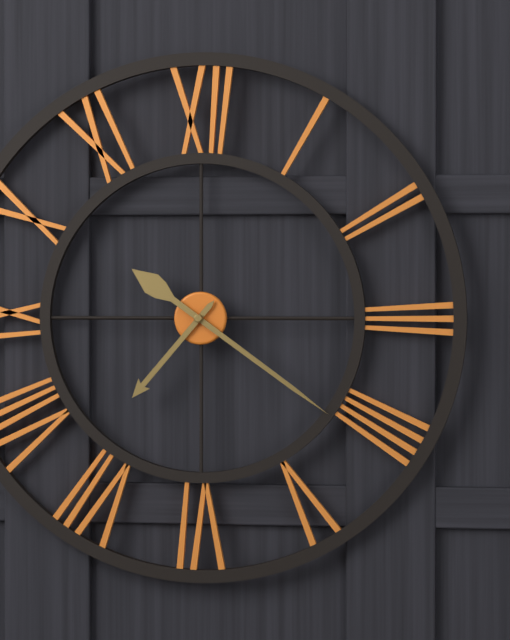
7 h 21 min
